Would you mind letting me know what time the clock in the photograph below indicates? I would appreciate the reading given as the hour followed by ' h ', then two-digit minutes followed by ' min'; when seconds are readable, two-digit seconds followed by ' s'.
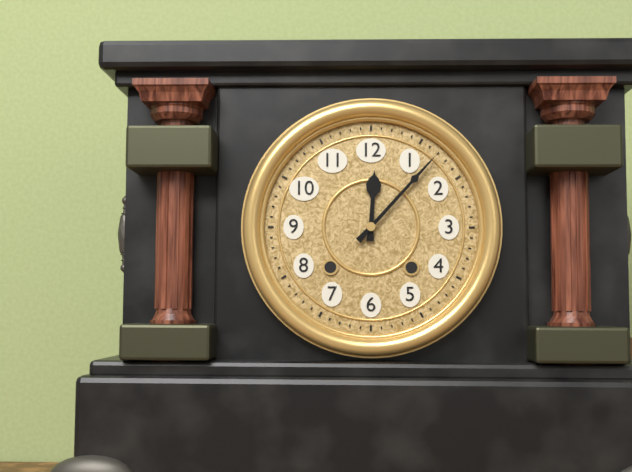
12 h 07 min
